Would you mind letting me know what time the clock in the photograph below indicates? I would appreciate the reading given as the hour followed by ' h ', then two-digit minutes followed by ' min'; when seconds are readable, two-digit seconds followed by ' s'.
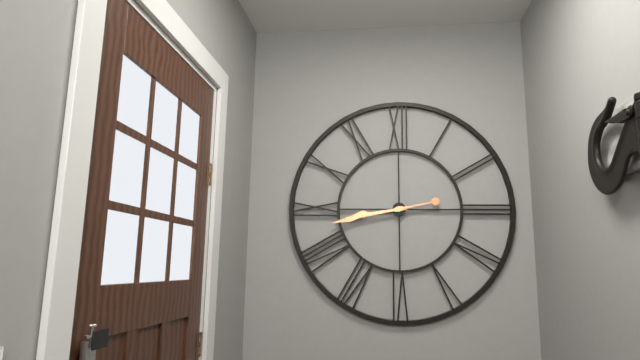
8 h 43 min
